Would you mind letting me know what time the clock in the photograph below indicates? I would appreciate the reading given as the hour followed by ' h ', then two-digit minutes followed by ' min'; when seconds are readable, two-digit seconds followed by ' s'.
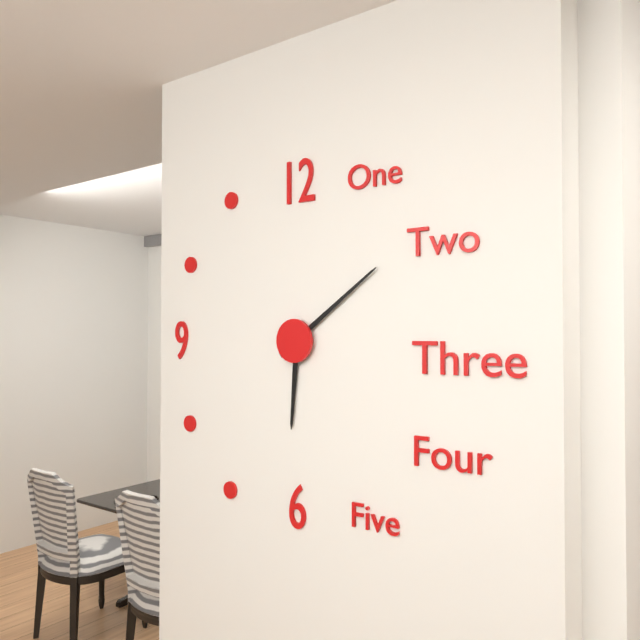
6 h 09 min
